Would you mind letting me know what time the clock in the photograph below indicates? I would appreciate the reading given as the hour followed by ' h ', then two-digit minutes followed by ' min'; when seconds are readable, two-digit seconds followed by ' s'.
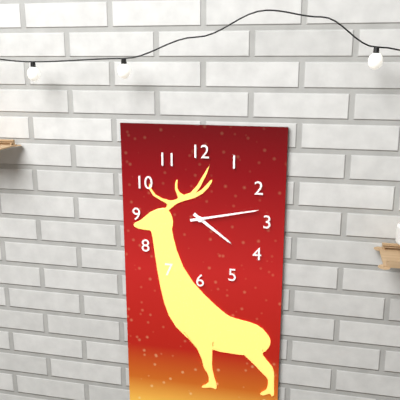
4 h 13 min
